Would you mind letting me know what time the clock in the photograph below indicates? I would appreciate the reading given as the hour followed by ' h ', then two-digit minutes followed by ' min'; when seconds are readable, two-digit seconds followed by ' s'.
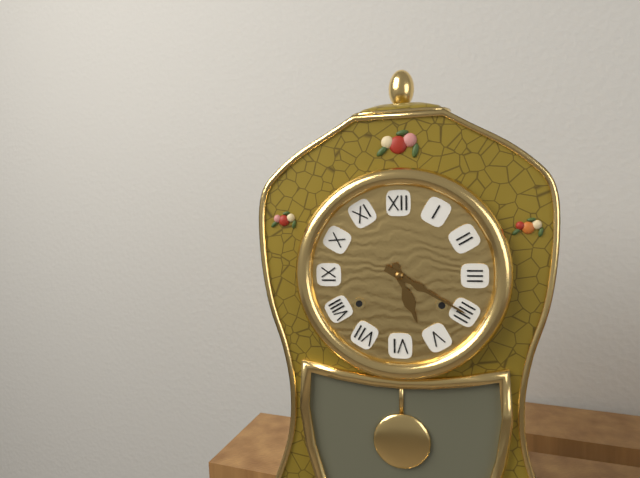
5 h 20 min
